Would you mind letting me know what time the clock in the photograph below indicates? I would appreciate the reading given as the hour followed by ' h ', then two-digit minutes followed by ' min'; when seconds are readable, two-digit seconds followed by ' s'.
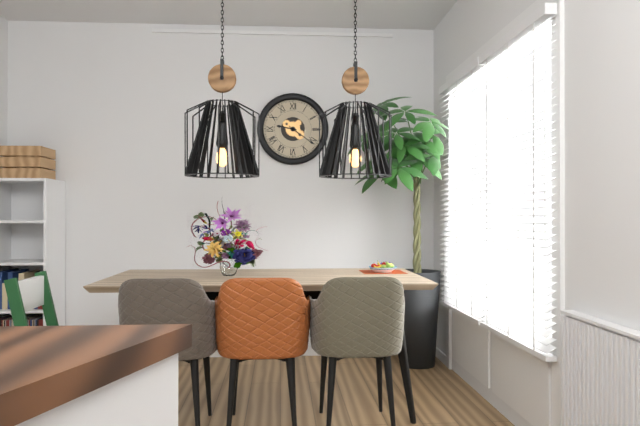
9 h 21 min
